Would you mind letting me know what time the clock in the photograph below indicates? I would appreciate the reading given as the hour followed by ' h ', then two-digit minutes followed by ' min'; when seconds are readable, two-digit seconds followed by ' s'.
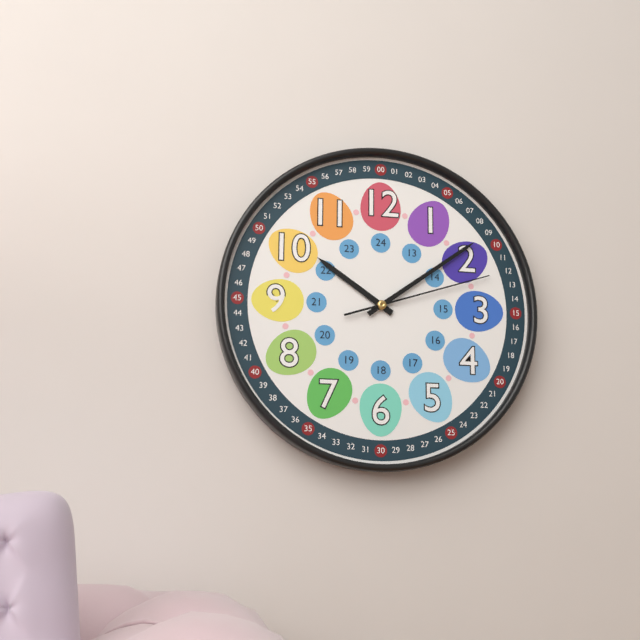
10 h 09 min 12 s
